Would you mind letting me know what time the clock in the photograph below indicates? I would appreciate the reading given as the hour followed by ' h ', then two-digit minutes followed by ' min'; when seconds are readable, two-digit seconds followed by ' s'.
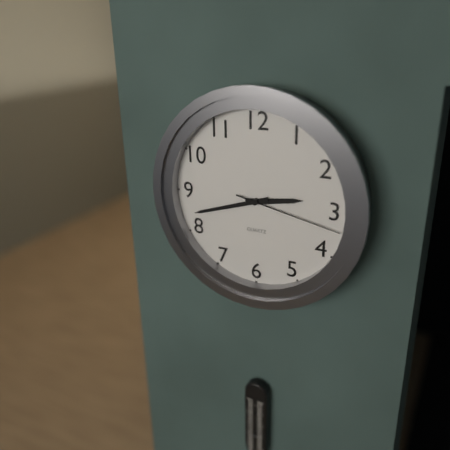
2 h 42 min 17 s
